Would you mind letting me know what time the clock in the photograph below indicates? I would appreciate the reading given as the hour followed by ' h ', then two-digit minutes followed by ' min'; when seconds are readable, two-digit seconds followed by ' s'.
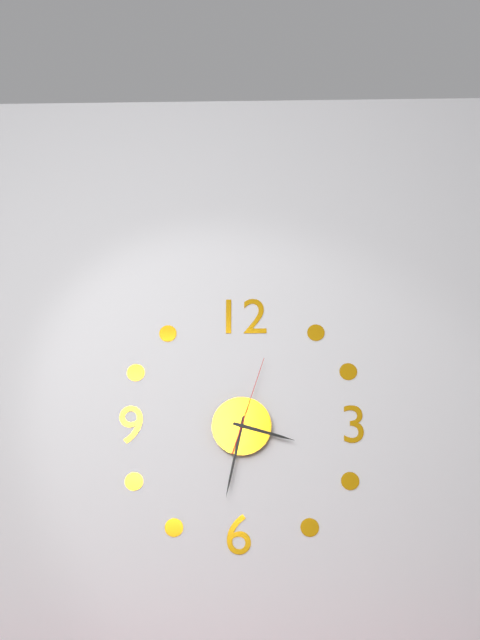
3 h 32 min 03 s
